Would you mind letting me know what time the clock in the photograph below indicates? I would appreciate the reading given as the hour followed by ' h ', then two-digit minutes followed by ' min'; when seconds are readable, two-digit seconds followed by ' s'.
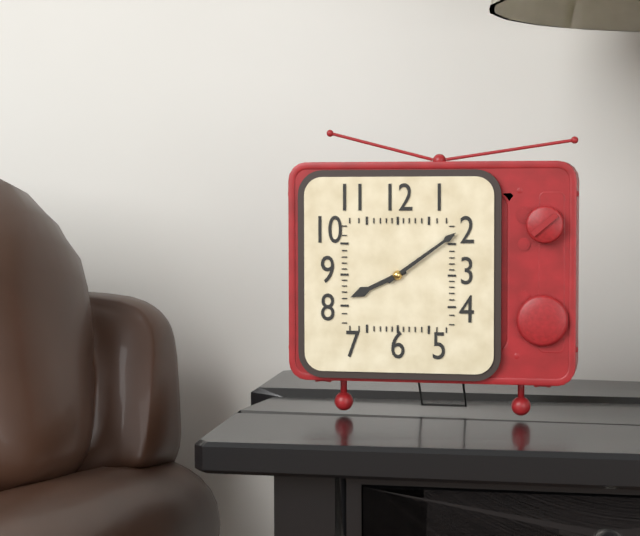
8 h 09 min
